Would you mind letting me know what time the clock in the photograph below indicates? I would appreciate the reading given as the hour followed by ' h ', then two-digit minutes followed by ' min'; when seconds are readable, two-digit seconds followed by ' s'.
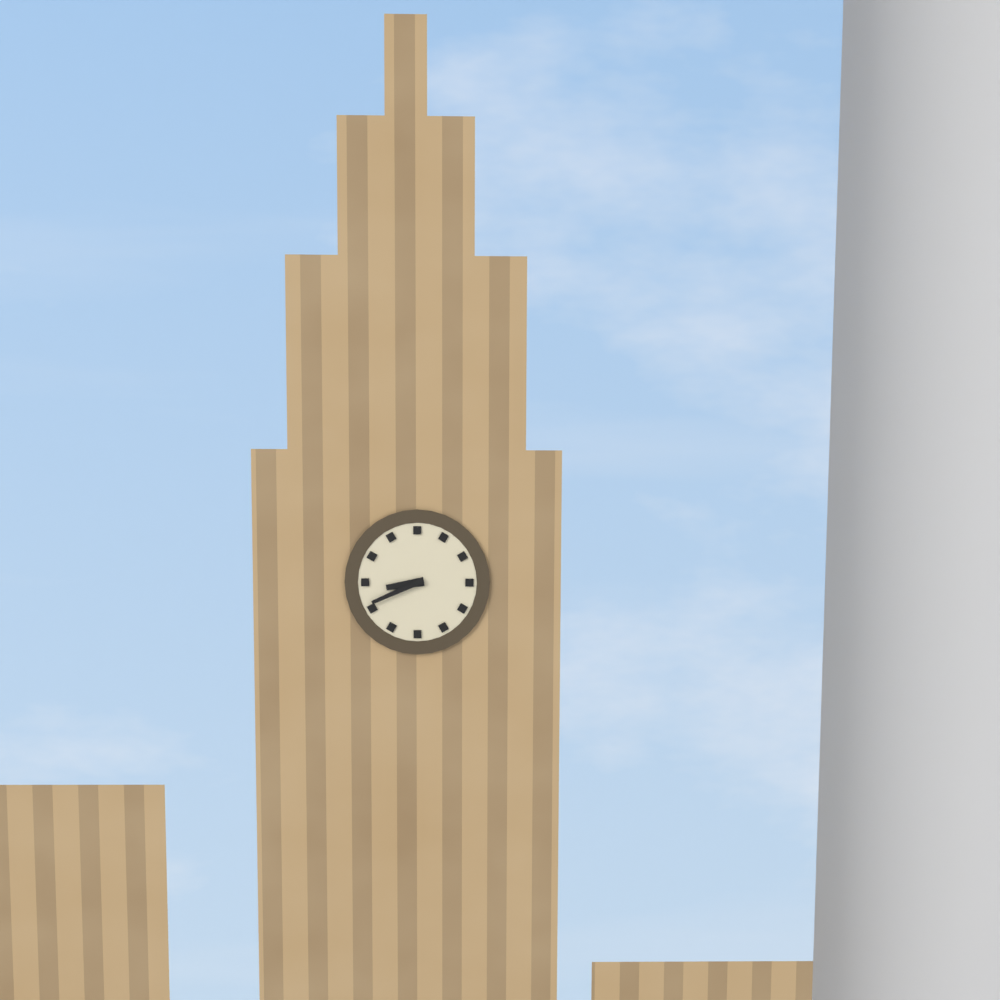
8 h 41 min
